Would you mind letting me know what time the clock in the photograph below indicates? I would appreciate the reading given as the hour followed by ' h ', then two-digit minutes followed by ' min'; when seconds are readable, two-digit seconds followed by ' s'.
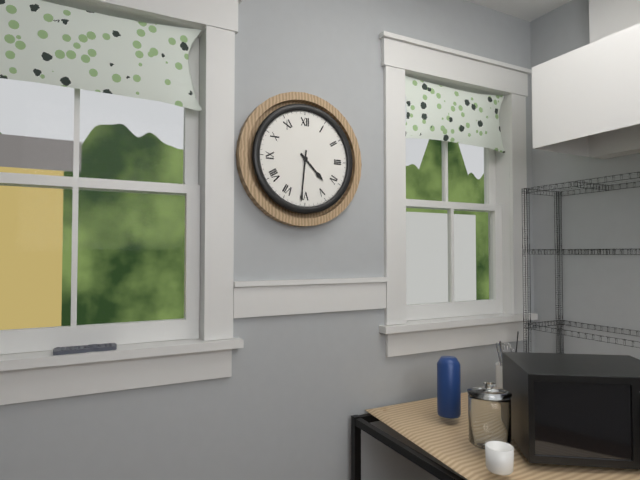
4 h 31 min
